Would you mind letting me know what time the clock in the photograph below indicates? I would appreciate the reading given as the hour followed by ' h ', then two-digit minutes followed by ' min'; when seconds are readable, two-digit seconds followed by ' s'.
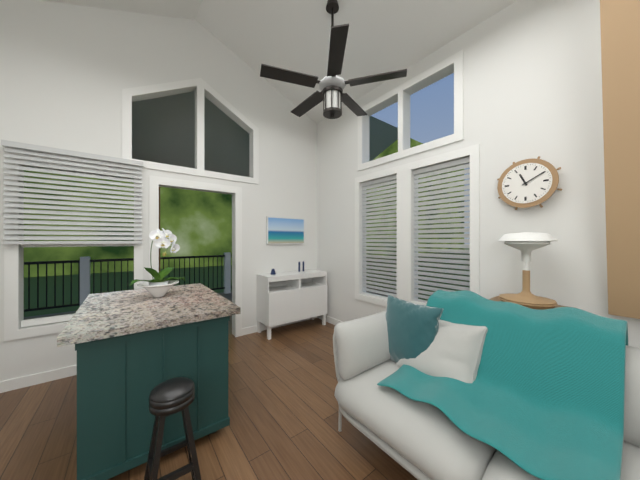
11 h 10 min
